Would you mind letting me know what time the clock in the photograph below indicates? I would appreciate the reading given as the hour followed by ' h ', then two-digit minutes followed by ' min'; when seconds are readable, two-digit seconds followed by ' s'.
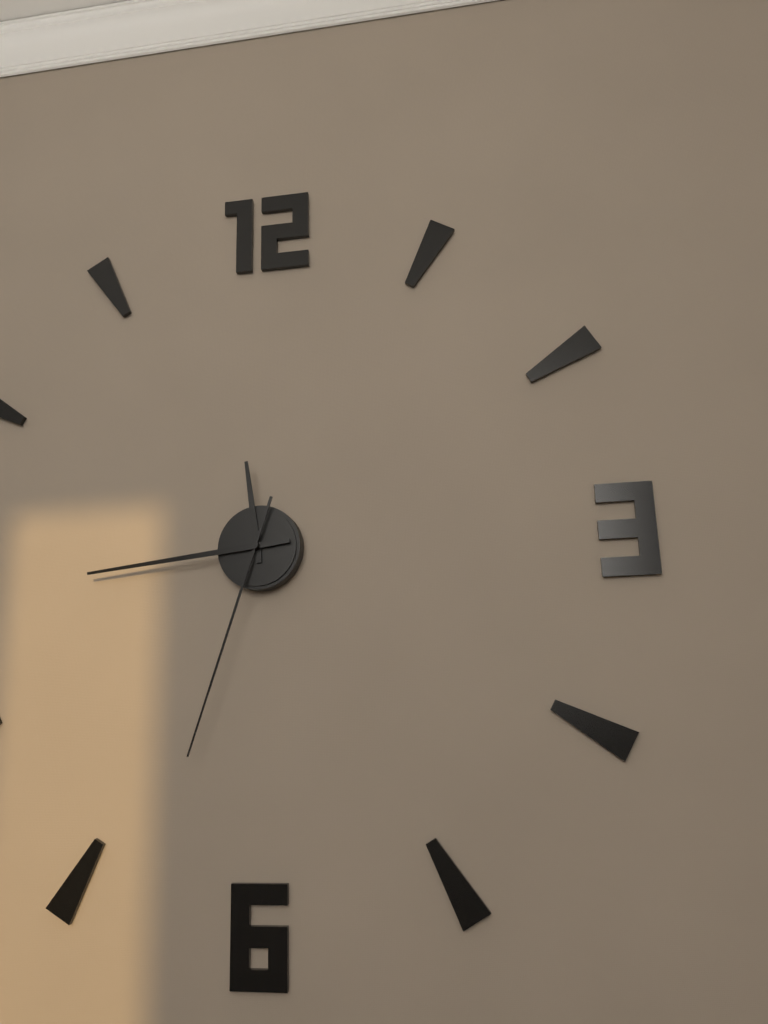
11 h 44 min 33 s
